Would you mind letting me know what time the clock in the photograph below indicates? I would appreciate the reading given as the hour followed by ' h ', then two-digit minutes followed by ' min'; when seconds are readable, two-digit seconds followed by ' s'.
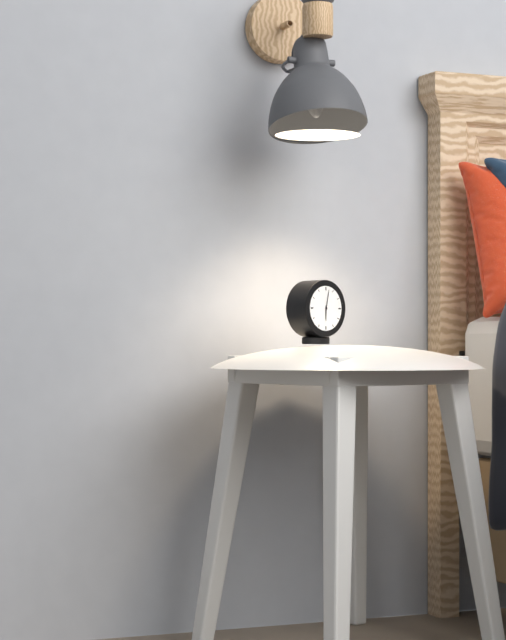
6 h 02 min
